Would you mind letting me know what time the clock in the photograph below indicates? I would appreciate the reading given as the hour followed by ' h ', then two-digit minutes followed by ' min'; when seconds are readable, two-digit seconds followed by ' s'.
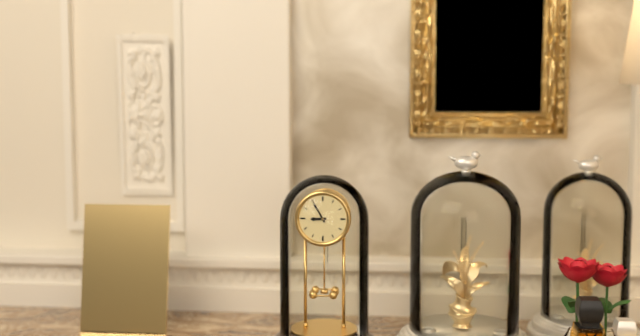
8 h 55 min
